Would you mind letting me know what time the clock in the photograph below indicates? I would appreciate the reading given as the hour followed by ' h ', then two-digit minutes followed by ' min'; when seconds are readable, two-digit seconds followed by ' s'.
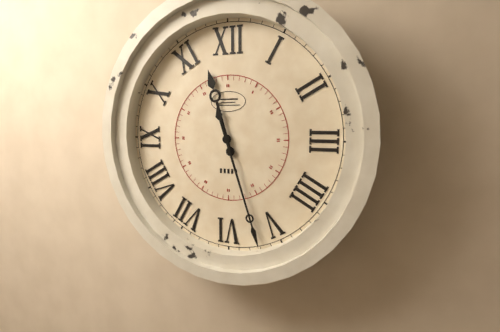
11 h 27 min
